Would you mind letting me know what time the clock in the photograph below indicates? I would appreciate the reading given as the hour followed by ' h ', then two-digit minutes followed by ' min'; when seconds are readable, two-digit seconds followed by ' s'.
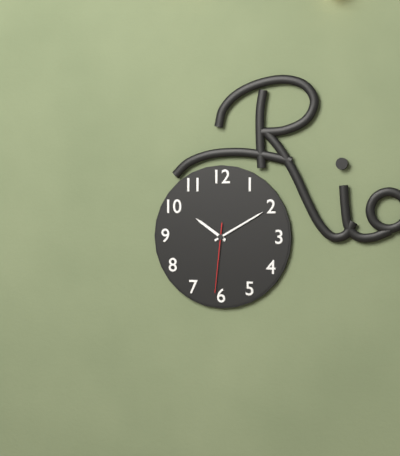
10 h 10 min 31 s
